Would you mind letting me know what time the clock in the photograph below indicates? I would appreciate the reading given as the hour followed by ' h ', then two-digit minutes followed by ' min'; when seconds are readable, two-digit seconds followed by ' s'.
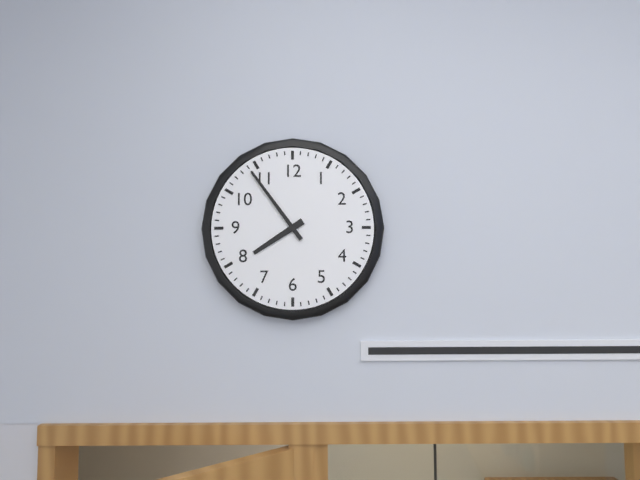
7 h 54 min
